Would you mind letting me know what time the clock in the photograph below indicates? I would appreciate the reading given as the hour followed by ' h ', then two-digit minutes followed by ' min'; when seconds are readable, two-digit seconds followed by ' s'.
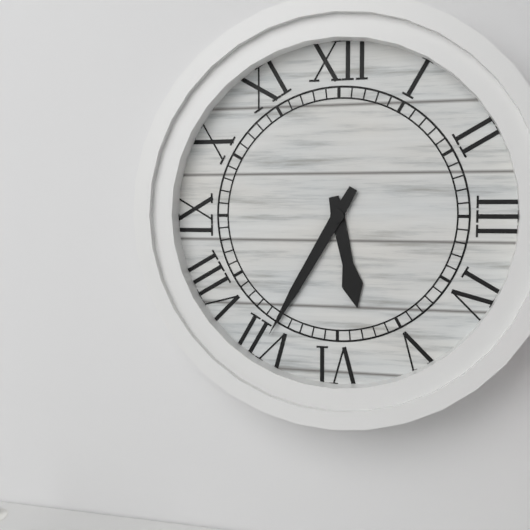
5 h 35 min
